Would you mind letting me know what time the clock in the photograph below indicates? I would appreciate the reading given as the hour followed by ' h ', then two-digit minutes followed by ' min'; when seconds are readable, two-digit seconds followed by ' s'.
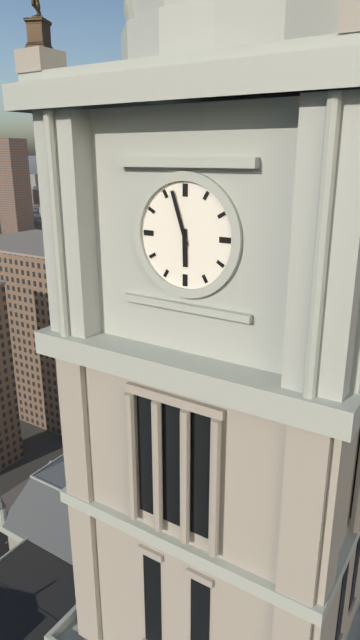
5 h 57 min
